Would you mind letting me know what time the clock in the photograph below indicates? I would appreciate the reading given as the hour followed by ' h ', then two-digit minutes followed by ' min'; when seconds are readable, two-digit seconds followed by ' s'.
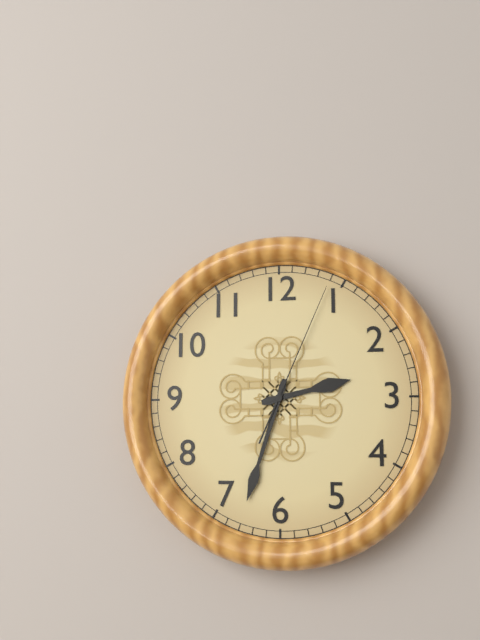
2 h 33 min 04 s
